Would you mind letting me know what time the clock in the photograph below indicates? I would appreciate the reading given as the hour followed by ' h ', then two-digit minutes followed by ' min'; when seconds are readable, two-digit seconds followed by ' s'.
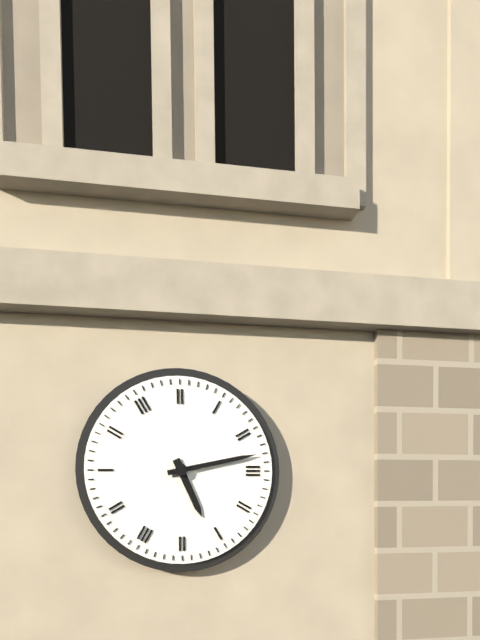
5 h 13 min
